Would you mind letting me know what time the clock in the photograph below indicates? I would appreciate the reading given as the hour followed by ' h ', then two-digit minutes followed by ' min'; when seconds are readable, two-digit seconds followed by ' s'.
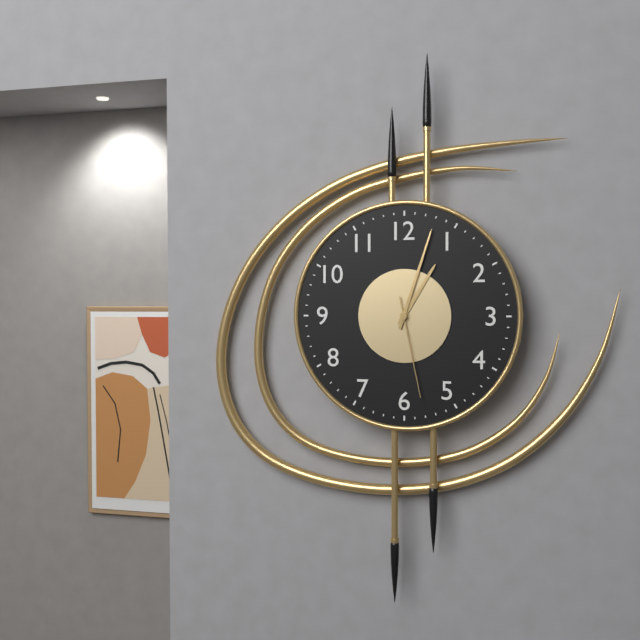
1 h 03 min 28 s
